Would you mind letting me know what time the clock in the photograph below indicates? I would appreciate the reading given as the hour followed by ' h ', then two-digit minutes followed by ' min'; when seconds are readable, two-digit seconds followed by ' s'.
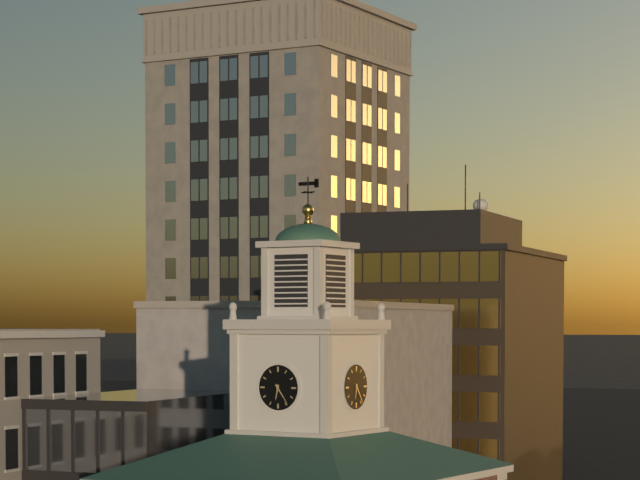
6 h 24 min
